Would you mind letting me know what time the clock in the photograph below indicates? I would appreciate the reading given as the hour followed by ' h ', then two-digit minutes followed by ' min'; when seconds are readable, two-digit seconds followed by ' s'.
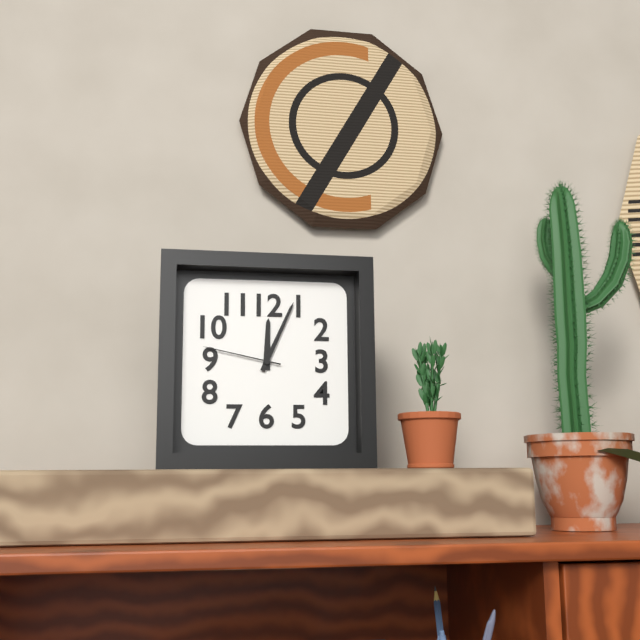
12 h 04 min 47 s
